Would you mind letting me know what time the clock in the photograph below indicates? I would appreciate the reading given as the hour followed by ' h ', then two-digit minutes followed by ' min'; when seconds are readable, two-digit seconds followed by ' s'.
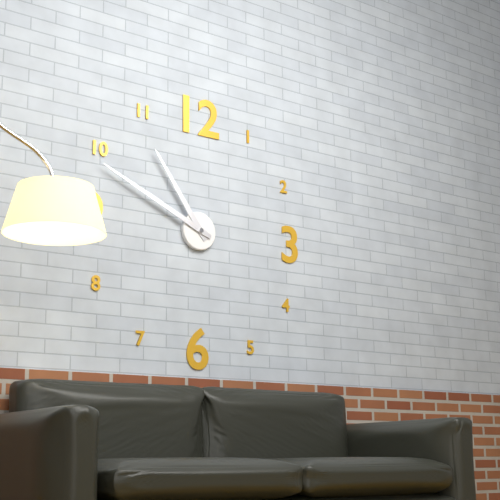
10 h 49 min
